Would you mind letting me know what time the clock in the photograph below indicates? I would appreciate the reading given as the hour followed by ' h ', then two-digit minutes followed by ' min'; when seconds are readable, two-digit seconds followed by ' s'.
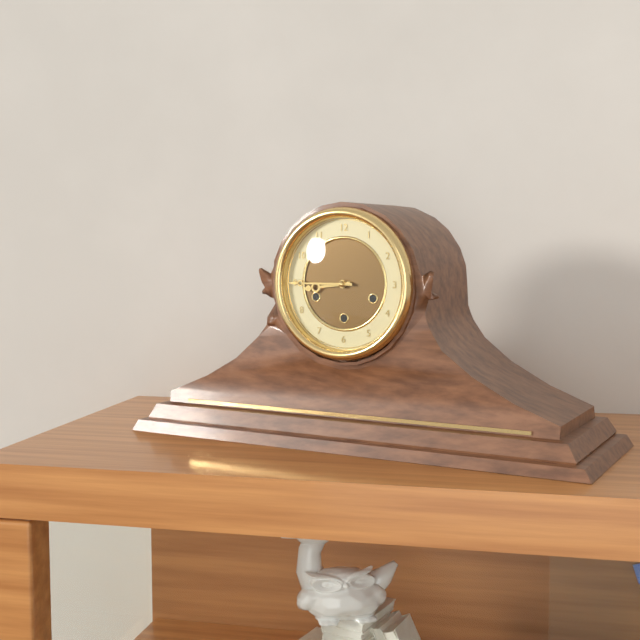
8 h 45 min
